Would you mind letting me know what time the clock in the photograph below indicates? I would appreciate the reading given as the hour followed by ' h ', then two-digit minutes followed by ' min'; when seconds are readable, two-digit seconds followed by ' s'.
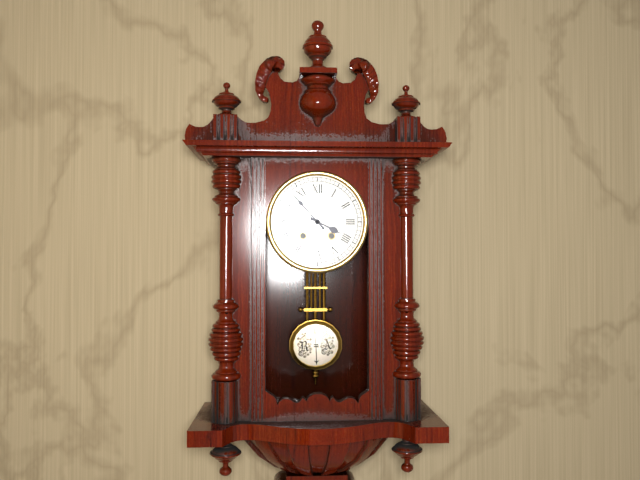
3 h 53 min
